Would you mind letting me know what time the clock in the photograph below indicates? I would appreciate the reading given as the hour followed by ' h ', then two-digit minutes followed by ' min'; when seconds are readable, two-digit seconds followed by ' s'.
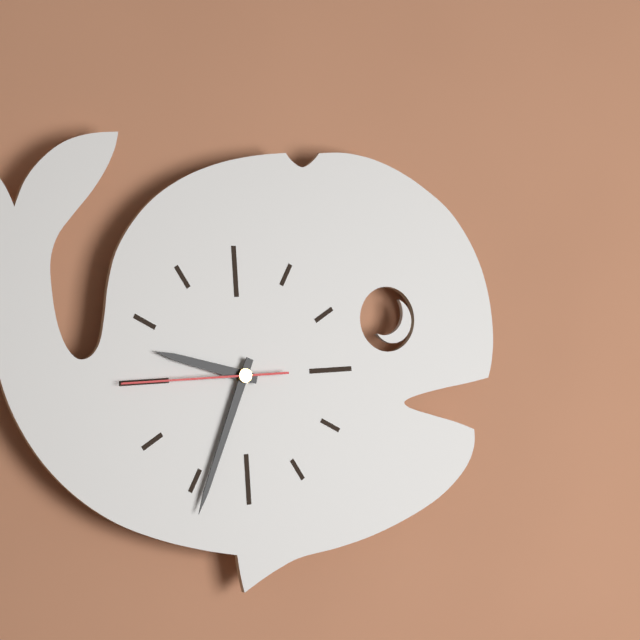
9 h 34 min 45 s
